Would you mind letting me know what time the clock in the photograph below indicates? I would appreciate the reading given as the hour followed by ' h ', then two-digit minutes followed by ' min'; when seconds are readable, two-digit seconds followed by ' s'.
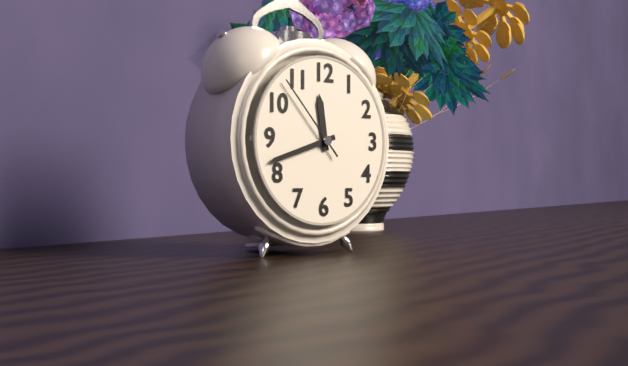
11 h 42 min 53 s
